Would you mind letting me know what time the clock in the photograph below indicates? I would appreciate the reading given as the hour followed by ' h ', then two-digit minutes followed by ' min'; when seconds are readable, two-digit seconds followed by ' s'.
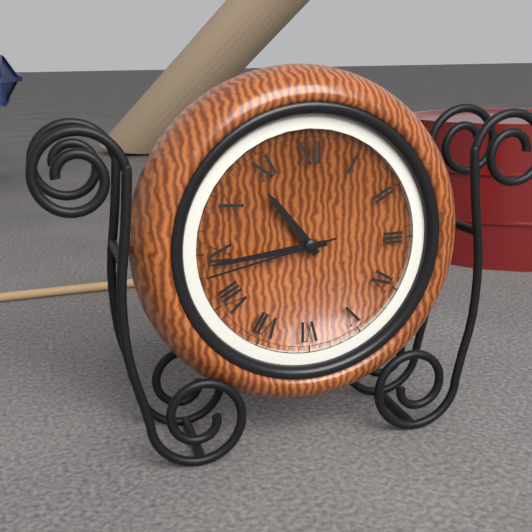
10 h 44 min 43 s
